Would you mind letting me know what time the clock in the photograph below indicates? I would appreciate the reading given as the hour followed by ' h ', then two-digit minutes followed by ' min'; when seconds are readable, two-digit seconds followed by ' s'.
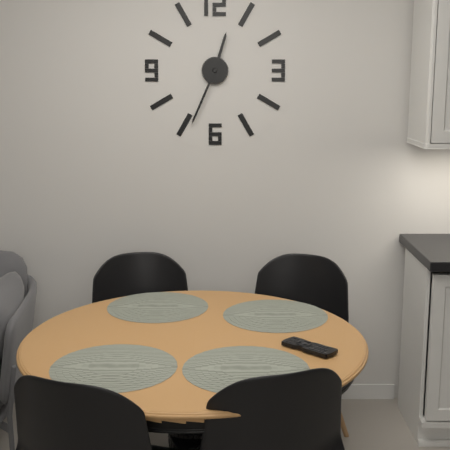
12 h 34 min
